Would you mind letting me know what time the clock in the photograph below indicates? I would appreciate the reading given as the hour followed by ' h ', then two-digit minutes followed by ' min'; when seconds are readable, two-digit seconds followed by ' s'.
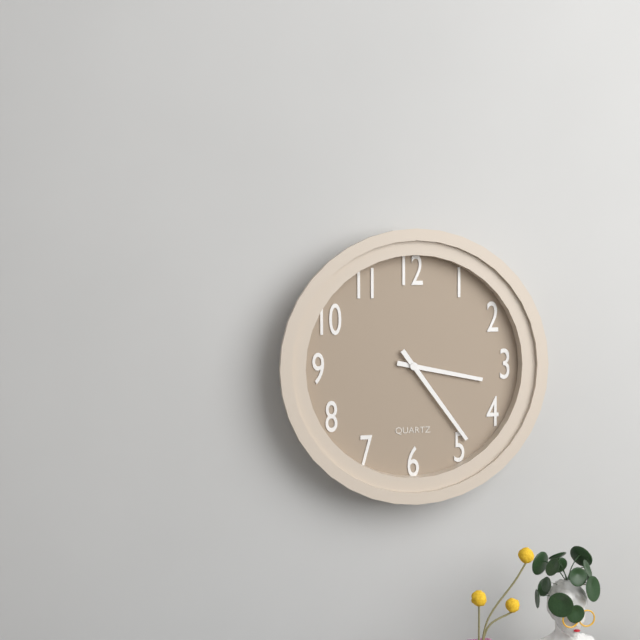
3 h 24 min
